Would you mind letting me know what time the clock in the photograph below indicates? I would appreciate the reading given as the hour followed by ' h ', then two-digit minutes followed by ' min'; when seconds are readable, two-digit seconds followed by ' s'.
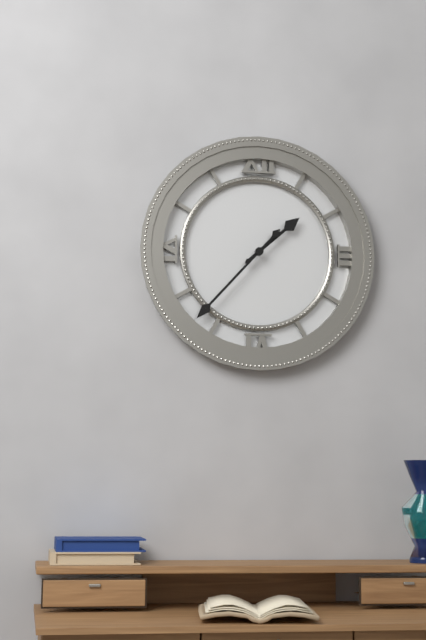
1 h 37 min
